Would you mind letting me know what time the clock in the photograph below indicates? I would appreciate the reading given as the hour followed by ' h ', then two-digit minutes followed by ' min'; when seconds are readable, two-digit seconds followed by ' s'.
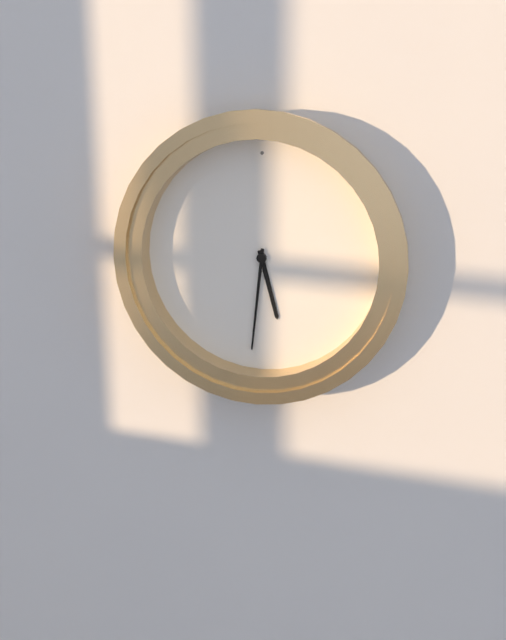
5 h 31 min
